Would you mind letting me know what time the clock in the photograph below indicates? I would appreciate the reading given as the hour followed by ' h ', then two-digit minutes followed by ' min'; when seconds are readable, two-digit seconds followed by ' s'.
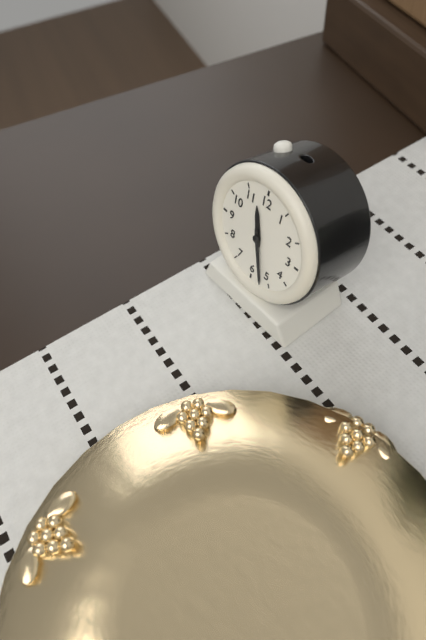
11 h 27 min
